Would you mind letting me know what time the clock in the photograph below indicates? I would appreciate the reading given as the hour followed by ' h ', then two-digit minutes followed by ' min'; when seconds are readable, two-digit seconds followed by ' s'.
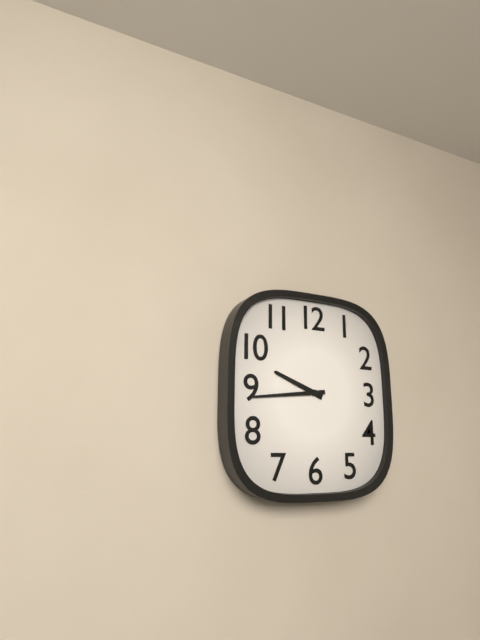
9 h 44 min
